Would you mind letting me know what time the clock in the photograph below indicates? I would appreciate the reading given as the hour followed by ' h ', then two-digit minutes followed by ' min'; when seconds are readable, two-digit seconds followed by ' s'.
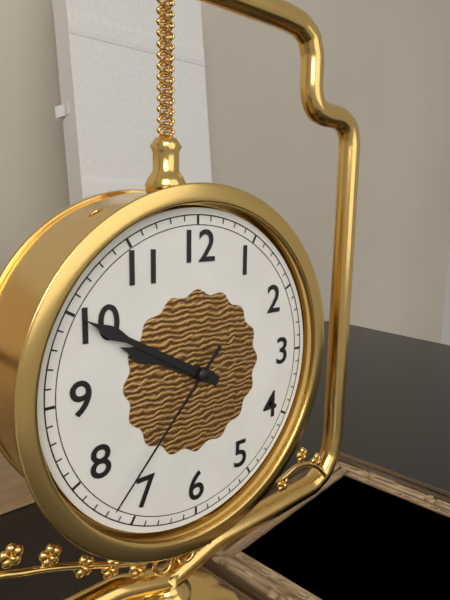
9 h 50 min 37 s
